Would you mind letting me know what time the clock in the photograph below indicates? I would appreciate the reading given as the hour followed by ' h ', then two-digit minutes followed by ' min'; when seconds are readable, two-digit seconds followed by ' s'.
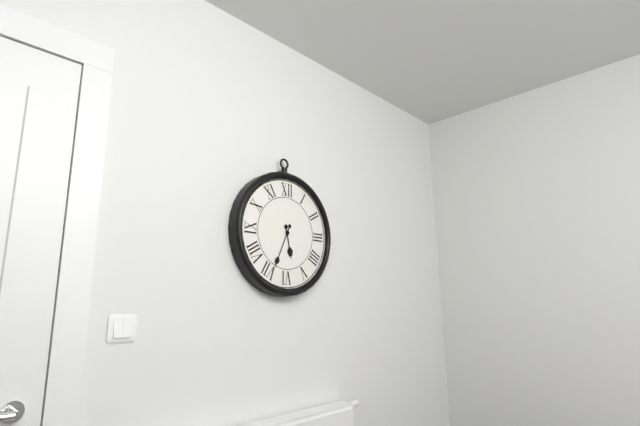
5 h 34 min
